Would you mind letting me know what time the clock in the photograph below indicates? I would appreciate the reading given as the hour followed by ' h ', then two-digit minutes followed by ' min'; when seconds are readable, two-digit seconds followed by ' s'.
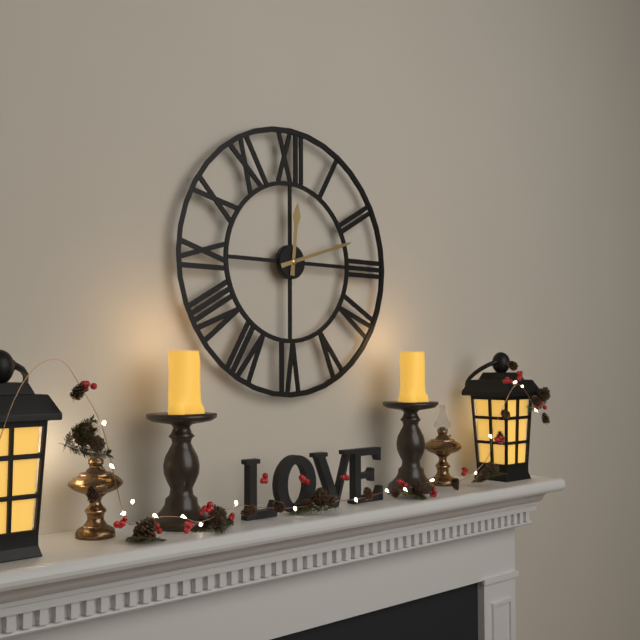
12 h 12 min
